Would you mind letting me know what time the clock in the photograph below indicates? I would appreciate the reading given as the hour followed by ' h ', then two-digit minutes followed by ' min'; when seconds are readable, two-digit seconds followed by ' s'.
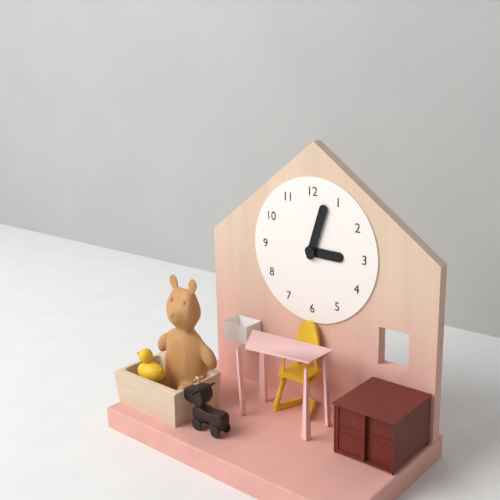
3 h 03 min
